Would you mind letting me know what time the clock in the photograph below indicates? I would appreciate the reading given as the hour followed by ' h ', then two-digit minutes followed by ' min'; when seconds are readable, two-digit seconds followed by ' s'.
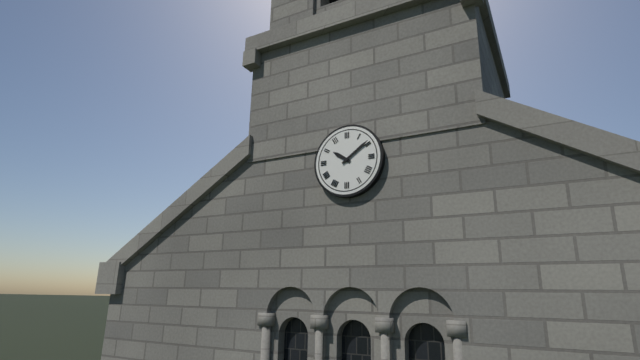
10 h 09 min
